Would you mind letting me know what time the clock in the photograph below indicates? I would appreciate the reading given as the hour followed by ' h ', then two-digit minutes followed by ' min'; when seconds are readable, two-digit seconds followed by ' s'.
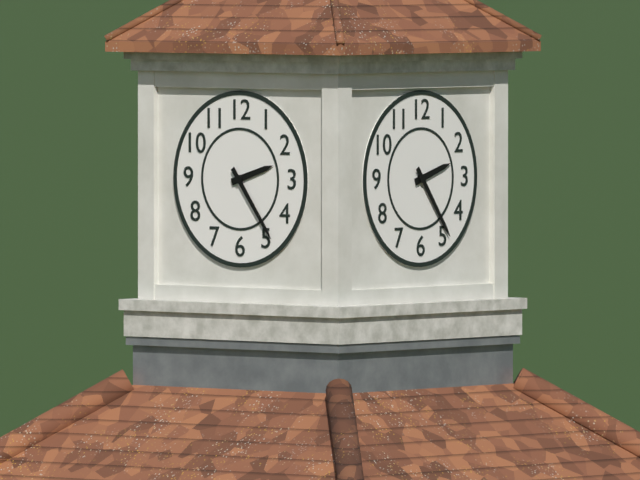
2 h 24 min
